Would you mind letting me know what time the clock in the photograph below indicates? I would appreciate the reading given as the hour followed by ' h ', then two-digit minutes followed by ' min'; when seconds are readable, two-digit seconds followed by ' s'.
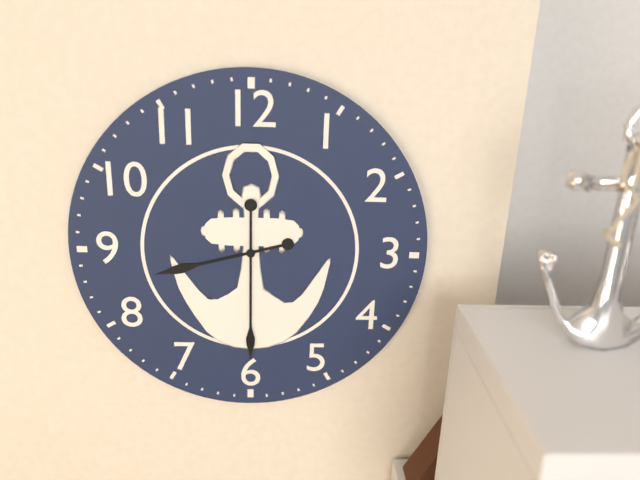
8 h 30 min
